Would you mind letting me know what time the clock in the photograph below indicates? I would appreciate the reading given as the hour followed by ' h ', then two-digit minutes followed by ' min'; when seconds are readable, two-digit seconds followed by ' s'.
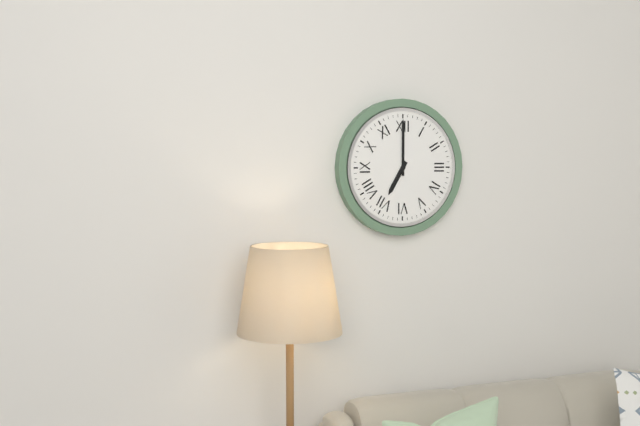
7 h 00 min
